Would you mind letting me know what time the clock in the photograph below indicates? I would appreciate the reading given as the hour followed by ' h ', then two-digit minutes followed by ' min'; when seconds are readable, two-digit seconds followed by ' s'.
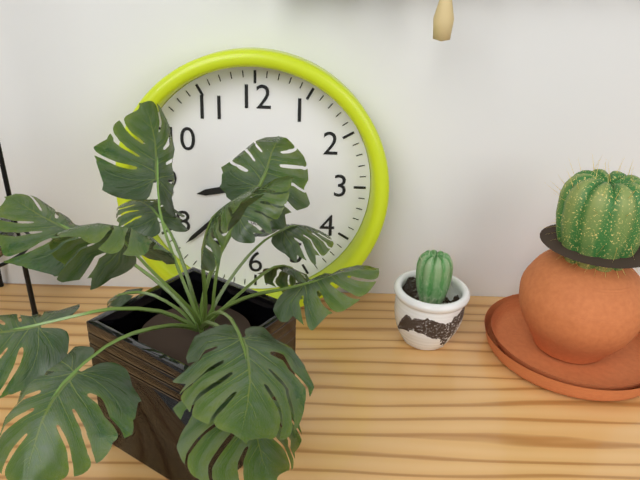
8 h 38 min
